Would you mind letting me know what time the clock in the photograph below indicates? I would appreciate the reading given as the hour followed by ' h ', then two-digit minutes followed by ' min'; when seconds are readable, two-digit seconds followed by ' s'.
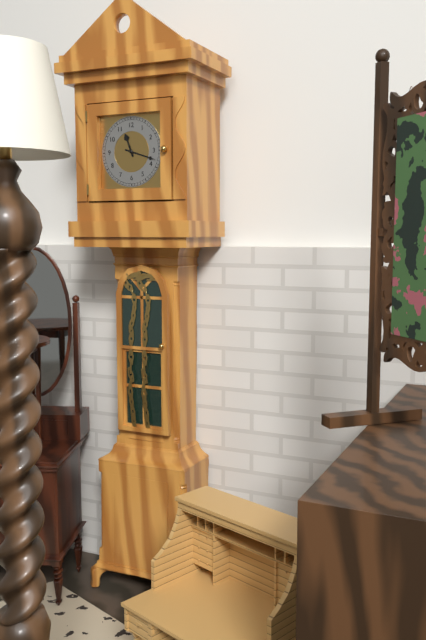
11 h 18 min
